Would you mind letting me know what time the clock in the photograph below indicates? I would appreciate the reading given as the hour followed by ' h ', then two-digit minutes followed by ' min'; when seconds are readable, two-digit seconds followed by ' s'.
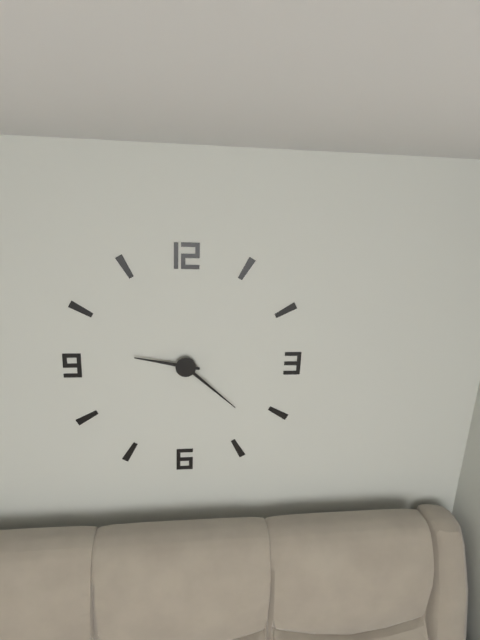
9 h 22 min
